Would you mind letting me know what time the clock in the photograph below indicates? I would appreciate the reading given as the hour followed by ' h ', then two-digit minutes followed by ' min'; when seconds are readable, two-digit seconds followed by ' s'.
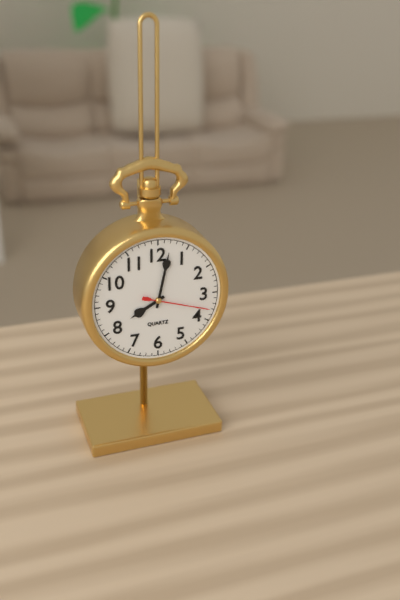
8 h 02 min 18 s
